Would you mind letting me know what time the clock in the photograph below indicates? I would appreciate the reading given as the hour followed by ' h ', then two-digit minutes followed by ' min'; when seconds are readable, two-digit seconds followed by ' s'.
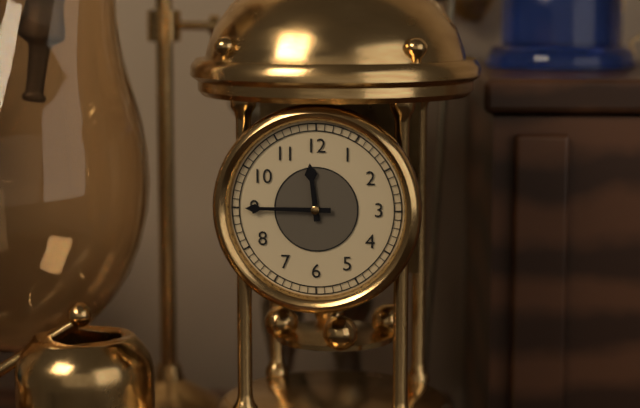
11 h 45 min
